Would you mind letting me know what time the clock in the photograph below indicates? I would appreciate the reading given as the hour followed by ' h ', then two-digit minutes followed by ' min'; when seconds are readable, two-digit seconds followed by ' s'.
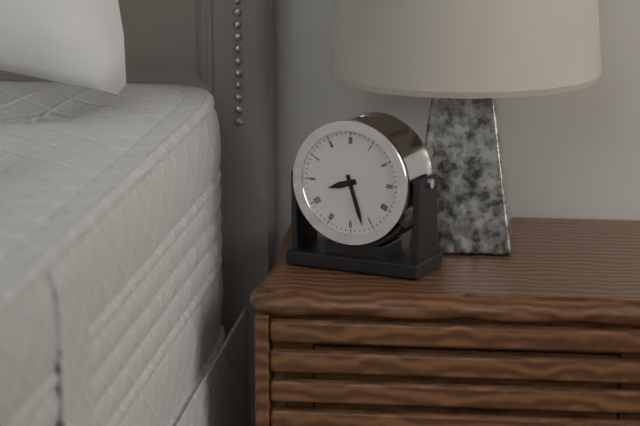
8 h 27 min
